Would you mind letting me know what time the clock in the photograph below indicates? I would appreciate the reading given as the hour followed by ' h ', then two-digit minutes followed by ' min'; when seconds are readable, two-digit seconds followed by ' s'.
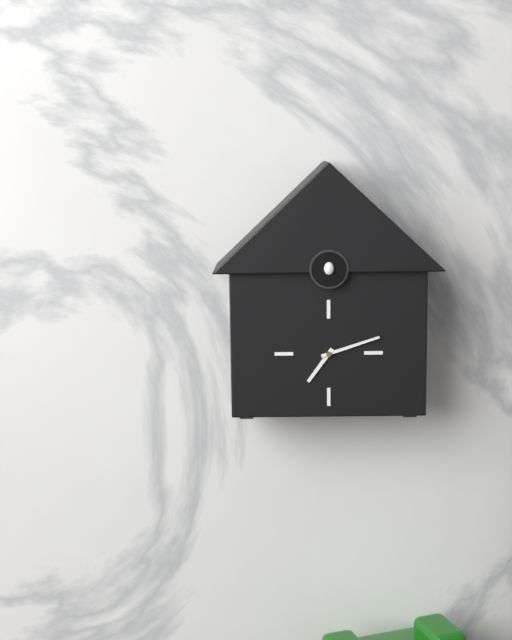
7 h 12 min
